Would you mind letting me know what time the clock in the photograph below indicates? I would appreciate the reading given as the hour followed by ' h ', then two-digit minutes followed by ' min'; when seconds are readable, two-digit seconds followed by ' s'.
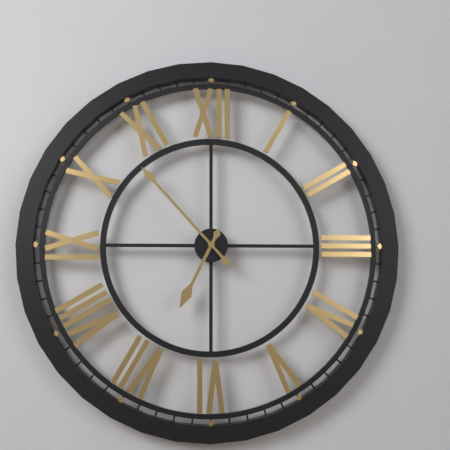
6 h 53 min
